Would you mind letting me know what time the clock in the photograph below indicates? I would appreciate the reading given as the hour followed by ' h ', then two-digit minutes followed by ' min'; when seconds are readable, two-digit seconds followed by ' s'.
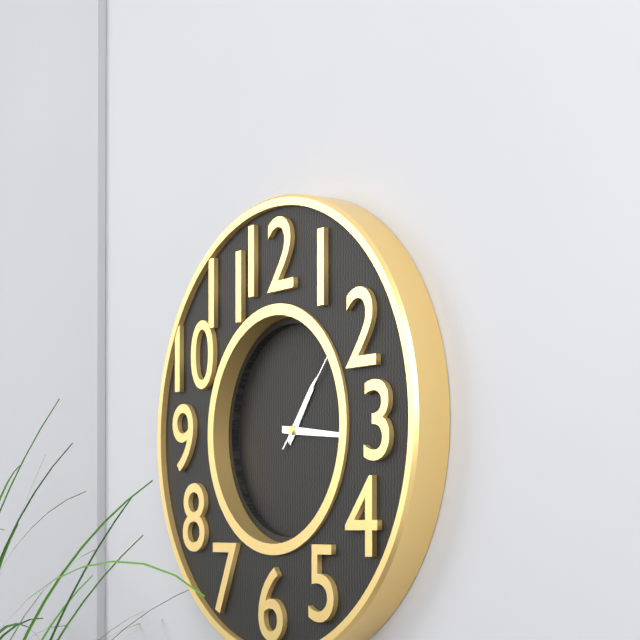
1 h 16 min 07 s
